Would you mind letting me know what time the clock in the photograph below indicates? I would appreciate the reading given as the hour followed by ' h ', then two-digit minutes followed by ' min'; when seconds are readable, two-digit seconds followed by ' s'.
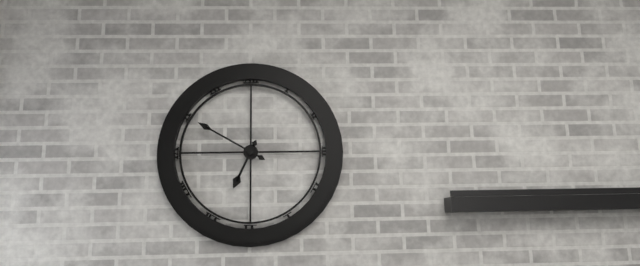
6 h 50 min
